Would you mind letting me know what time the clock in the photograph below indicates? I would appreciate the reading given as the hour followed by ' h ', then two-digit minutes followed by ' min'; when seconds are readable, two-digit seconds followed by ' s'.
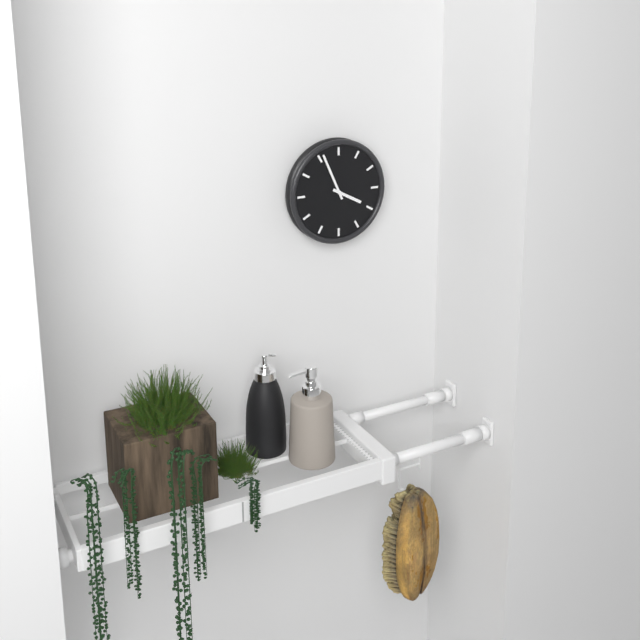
3 h 56 min
